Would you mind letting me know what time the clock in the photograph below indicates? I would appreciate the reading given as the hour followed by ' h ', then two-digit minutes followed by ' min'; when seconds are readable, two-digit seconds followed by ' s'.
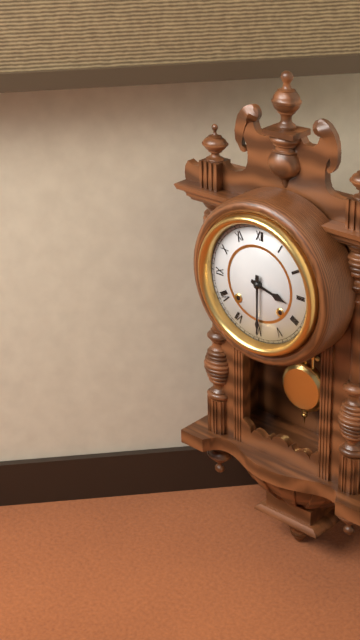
3 h 30 min
